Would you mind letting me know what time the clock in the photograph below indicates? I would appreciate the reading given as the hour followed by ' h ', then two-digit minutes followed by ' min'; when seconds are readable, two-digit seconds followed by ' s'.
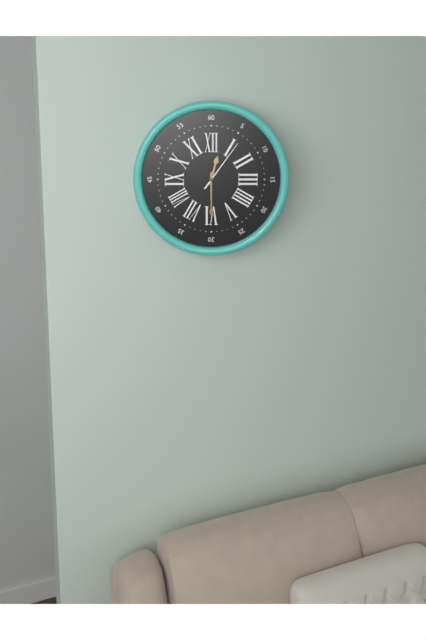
12 h 30 min 06 s
